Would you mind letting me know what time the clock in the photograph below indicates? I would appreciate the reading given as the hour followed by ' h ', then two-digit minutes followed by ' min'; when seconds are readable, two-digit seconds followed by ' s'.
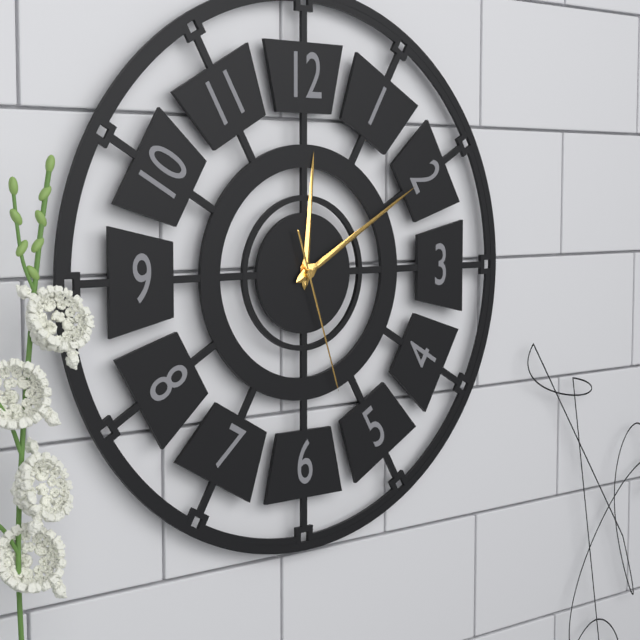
12 h 10 min 27 s
